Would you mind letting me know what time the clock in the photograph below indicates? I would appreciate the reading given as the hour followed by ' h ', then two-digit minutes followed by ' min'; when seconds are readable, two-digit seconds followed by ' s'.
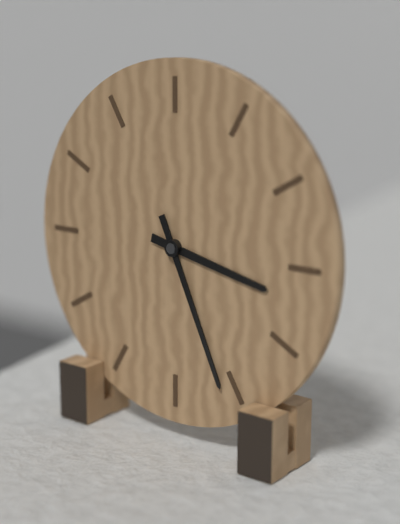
3 h 26 min
